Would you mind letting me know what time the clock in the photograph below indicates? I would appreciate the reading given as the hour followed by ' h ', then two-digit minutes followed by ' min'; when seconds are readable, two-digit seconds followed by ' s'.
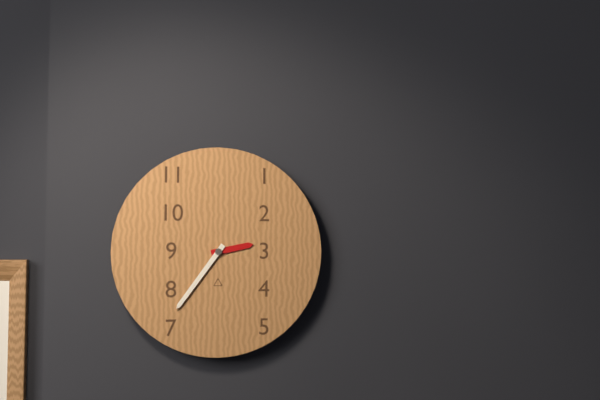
2 h 36 min
